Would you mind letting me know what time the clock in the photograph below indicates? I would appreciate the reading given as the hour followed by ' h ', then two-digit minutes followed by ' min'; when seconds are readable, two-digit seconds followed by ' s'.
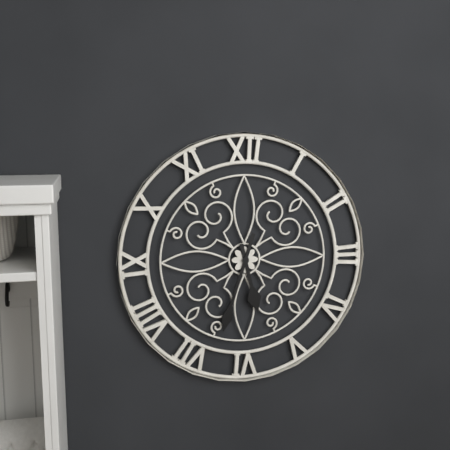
5 h 33 min
